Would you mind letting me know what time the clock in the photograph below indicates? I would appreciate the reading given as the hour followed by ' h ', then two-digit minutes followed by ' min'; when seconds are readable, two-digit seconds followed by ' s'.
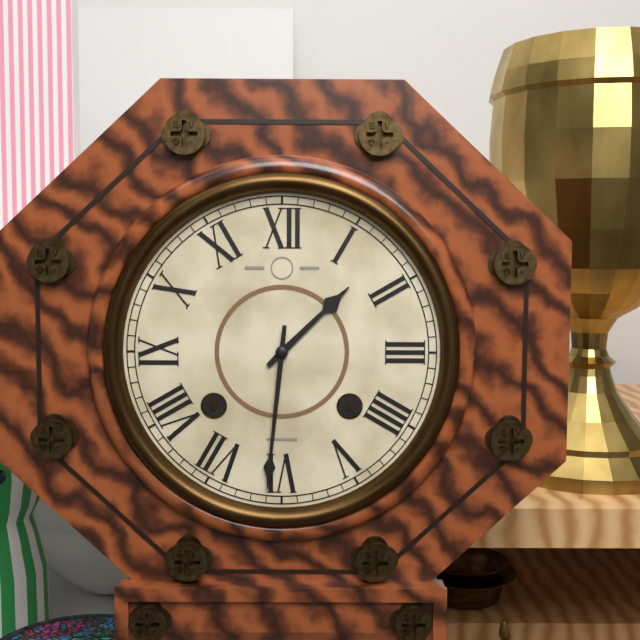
1 h 31 min
